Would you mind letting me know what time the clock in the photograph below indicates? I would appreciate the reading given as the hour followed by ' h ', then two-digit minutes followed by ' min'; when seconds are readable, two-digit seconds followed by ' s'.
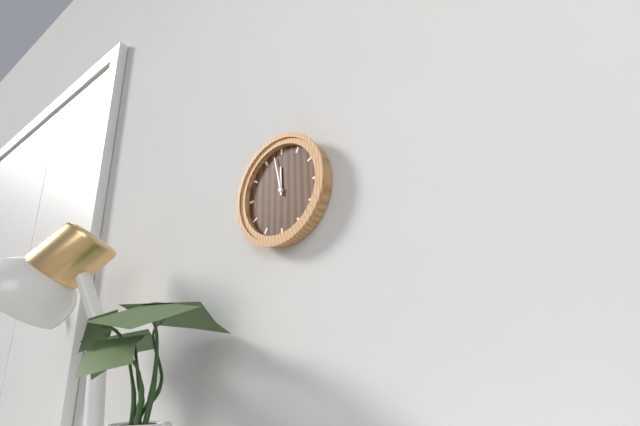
11 h 58 min
